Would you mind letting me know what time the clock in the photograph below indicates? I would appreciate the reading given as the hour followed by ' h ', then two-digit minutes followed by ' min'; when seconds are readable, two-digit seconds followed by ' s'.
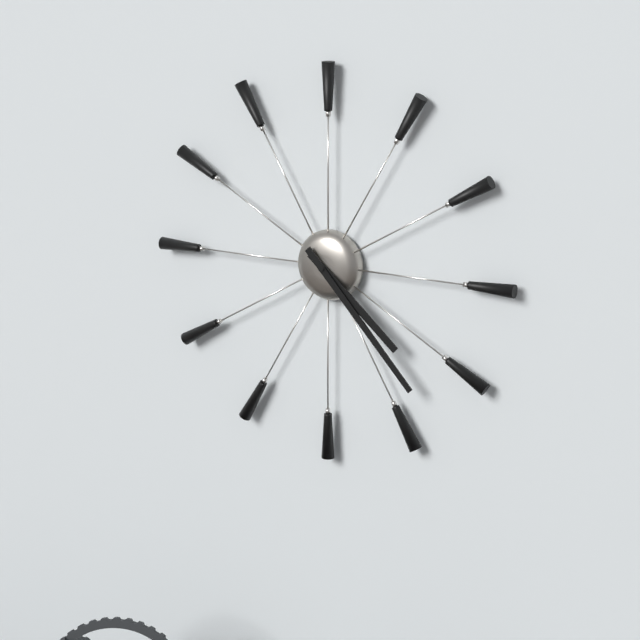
4 h 23 min
